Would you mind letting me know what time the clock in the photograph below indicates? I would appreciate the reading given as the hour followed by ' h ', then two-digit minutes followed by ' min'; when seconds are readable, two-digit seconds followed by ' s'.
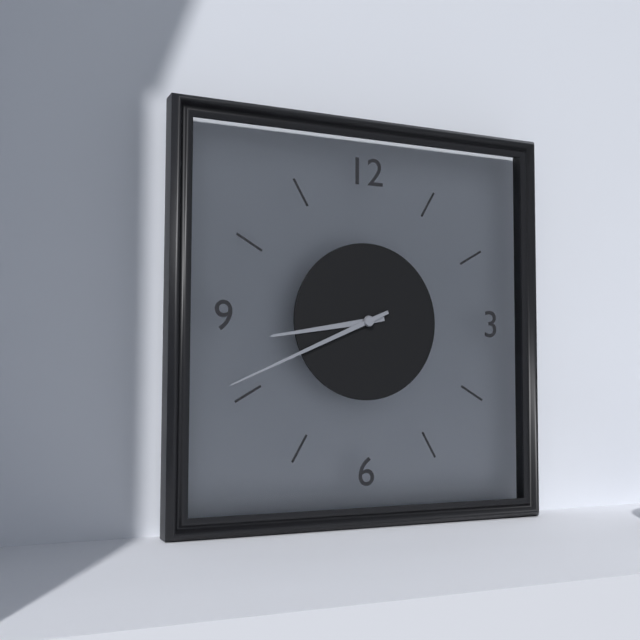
8 h 41 min
